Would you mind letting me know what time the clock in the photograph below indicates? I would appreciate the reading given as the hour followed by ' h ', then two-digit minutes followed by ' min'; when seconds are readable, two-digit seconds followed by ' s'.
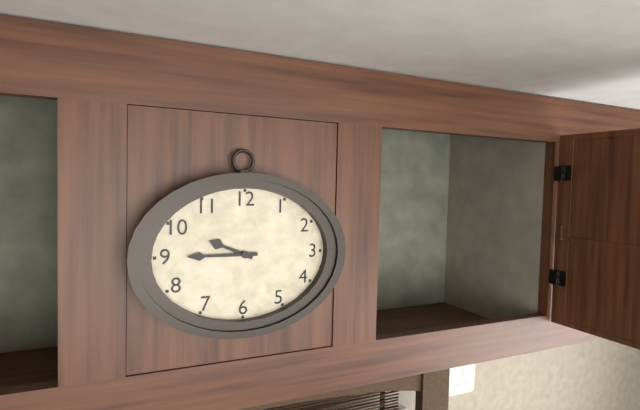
9 h 45 min
